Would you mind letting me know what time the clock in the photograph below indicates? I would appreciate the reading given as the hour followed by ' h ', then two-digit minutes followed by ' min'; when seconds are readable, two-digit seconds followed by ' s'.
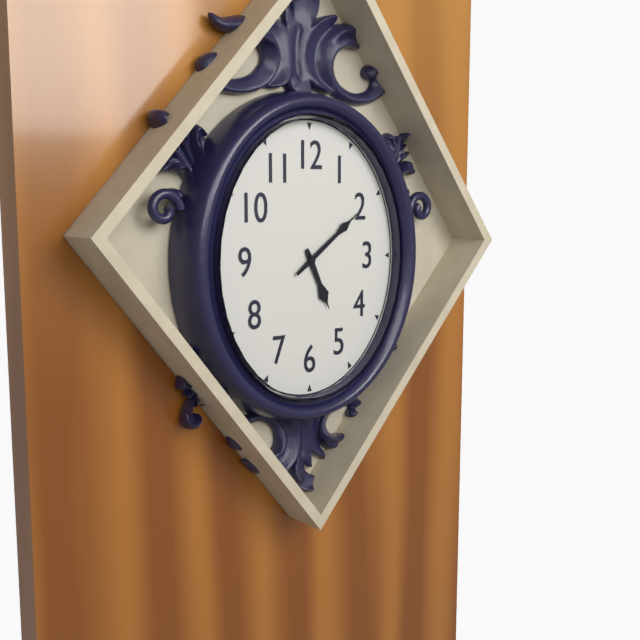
5 h 09 min
